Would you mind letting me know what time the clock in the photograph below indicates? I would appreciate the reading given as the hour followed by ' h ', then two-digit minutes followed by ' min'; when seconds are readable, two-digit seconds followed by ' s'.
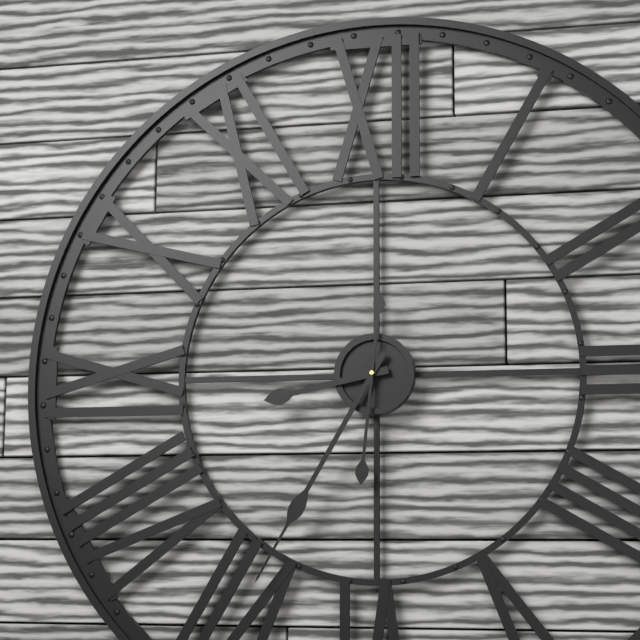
8 h 35 min 31 s
